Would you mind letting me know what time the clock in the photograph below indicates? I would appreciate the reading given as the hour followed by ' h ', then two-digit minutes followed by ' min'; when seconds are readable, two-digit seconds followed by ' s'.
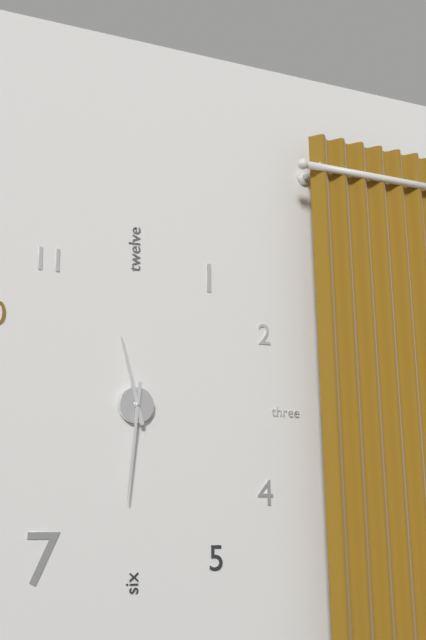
11 h 31 min
